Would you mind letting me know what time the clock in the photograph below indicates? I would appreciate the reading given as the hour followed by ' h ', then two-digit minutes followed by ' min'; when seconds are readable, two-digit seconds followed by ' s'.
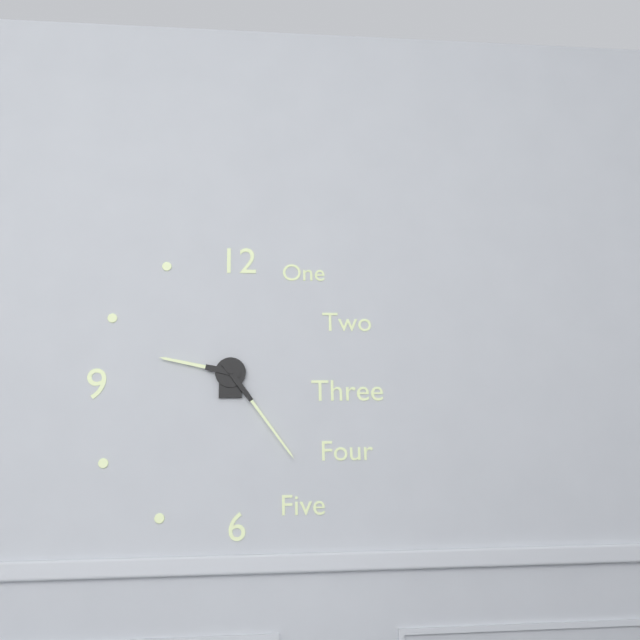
9 h 24 min
